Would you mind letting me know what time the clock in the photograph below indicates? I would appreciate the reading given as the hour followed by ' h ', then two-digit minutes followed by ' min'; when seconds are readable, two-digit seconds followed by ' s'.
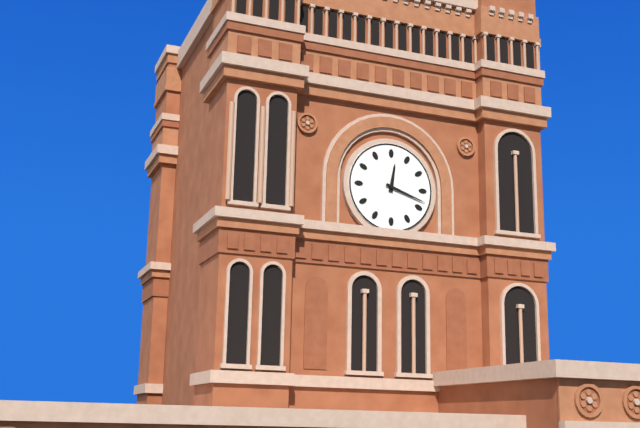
12 h 18 min
